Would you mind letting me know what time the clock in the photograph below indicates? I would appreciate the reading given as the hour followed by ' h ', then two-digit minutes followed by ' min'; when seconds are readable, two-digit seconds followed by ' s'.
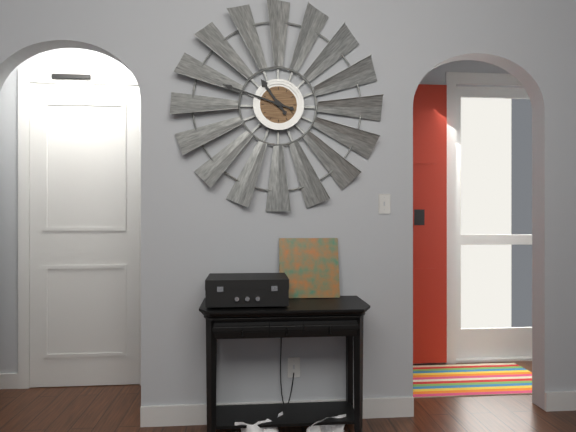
10 h 48 min
